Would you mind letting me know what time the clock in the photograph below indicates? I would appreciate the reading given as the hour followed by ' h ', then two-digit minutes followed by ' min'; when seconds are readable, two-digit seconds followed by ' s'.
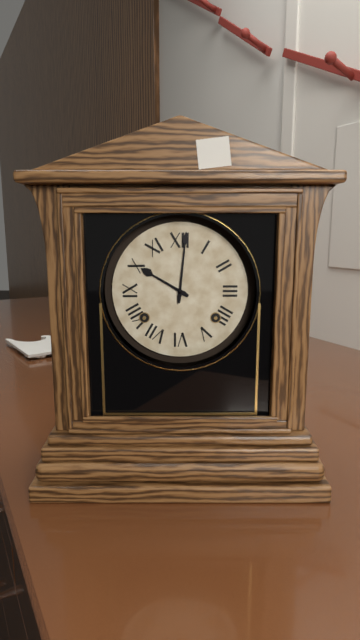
10 h 01 min
